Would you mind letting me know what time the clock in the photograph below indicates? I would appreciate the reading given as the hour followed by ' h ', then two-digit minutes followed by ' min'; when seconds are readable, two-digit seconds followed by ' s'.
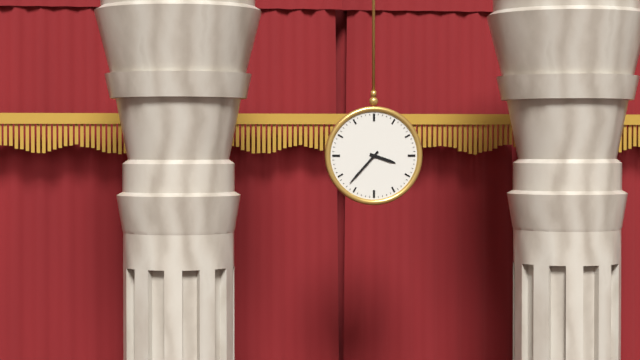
3 h 37 min
